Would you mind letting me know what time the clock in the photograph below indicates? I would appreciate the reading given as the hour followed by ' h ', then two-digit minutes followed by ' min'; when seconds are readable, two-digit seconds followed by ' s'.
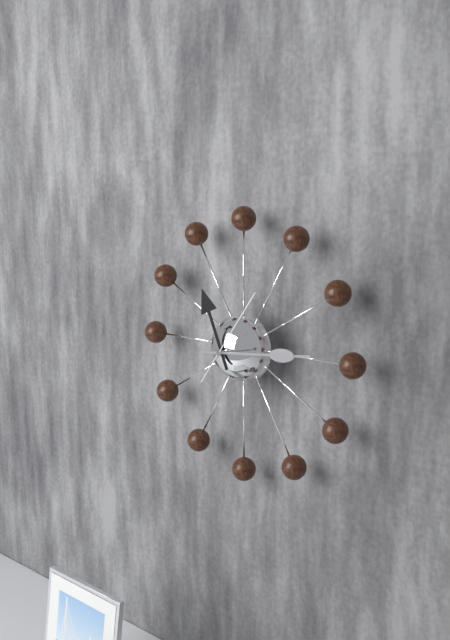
11 h 14 min 06 s
